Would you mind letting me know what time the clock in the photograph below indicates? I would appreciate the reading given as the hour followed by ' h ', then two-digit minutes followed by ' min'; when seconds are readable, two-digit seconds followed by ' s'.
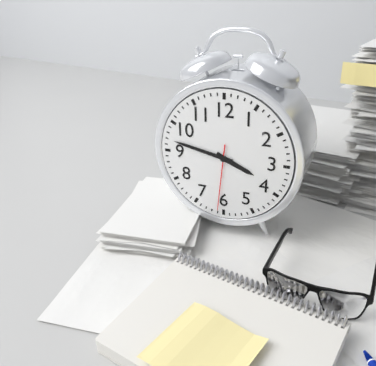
3 h 47 min 31 s
